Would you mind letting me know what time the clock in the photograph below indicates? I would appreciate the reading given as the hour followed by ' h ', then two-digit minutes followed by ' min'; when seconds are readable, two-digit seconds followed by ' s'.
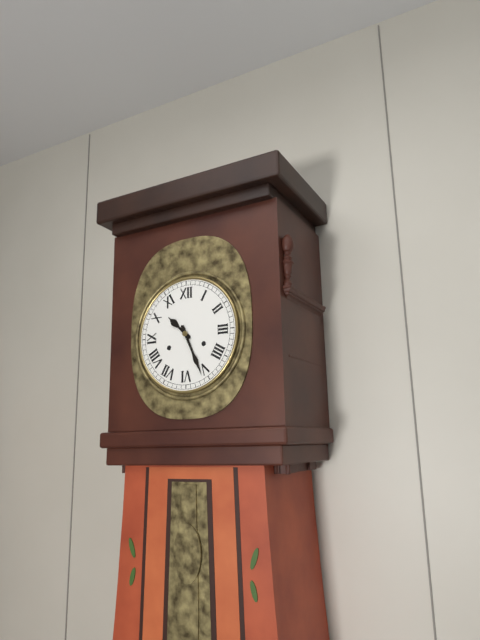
10 h 26 min
